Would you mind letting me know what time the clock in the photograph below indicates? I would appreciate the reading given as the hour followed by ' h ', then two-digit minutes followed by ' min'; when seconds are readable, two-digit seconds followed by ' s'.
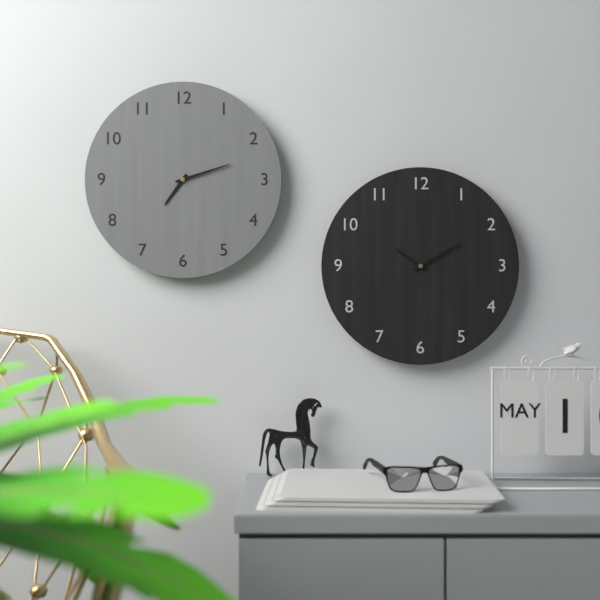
7 h 12 min
